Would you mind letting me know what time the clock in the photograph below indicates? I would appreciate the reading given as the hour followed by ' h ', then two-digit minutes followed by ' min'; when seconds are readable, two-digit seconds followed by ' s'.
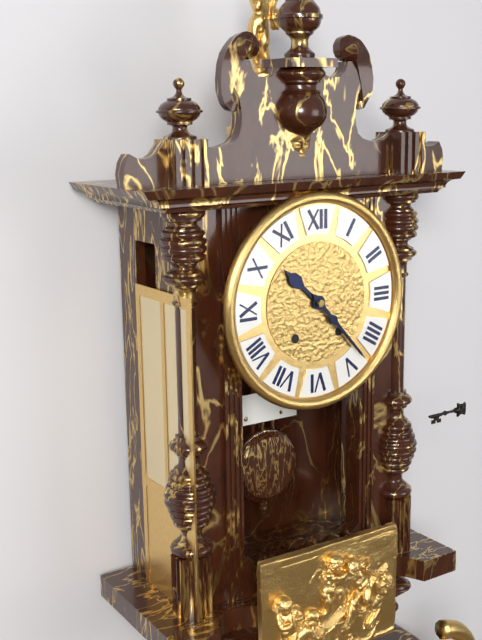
10 h 23 min
